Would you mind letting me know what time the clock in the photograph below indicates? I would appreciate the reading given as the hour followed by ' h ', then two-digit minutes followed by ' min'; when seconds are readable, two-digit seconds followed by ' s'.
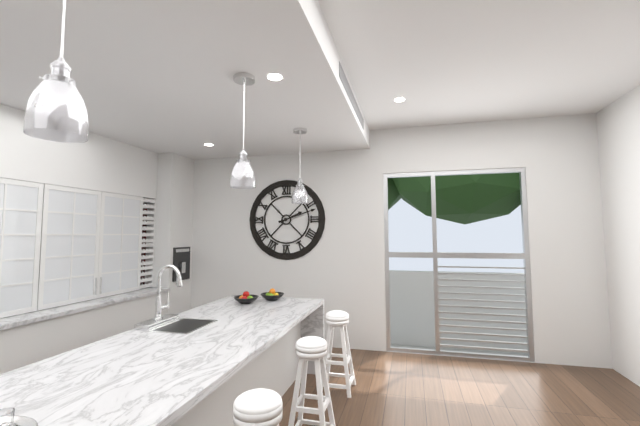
2 h 12 min
